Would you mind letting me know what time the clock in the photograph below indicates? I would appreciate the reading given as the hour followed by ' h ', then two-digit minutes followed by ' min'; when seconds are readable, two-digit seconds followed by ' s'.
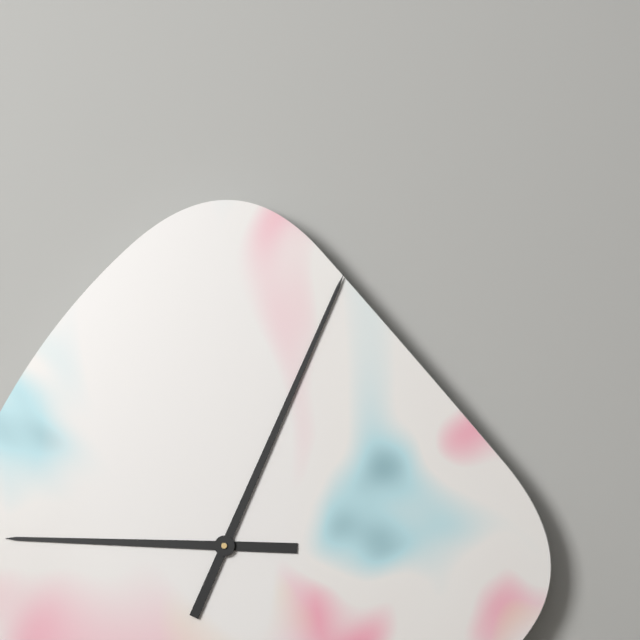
9 h 04 min
